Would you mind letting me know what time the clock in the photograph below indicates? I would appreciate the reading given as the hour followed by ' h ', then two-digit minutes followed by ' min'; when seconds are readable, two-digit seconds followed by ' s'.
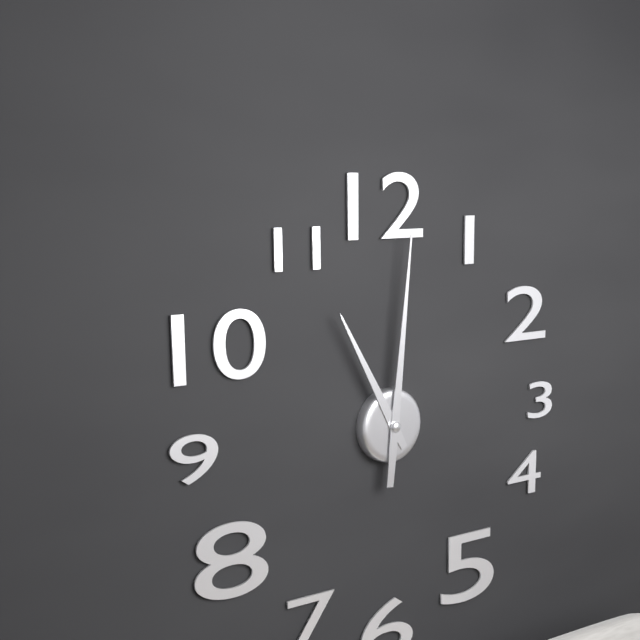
11 h 01 min
